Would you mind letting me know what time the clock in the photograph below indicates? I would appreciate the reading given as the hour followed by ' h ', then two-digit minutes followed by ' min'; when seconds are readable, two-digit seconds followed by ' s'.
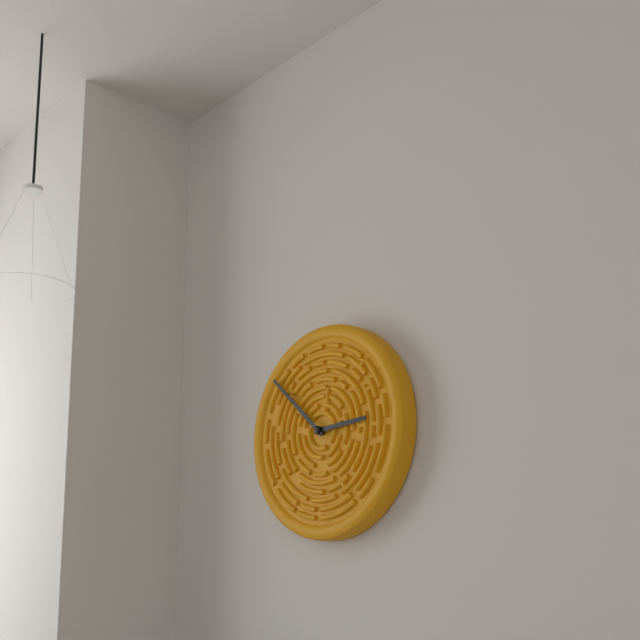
2 h 52 min
